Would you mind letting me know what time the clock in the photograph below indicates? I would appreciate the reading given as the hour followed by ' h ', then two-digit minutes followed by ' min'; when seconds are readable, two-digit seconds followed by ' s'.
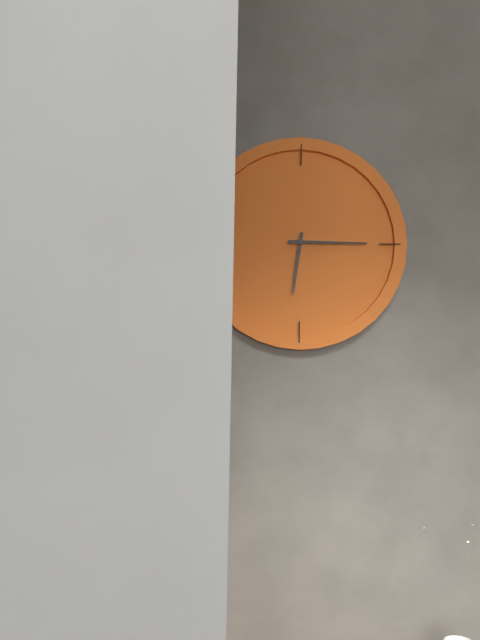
6 h 15 min
